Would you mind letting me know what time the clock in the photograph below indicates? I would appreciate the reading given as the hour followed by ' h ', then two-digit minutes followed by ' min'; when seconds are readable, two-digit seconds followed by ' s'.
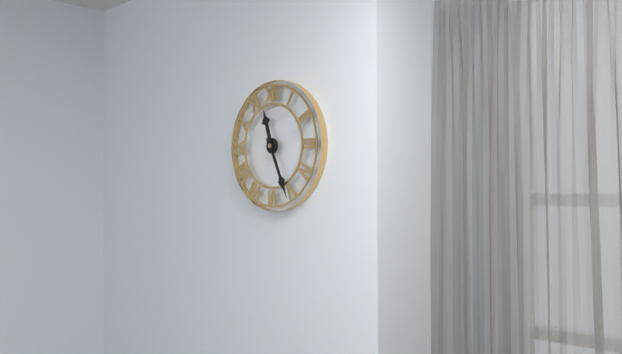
11 h 26 min
